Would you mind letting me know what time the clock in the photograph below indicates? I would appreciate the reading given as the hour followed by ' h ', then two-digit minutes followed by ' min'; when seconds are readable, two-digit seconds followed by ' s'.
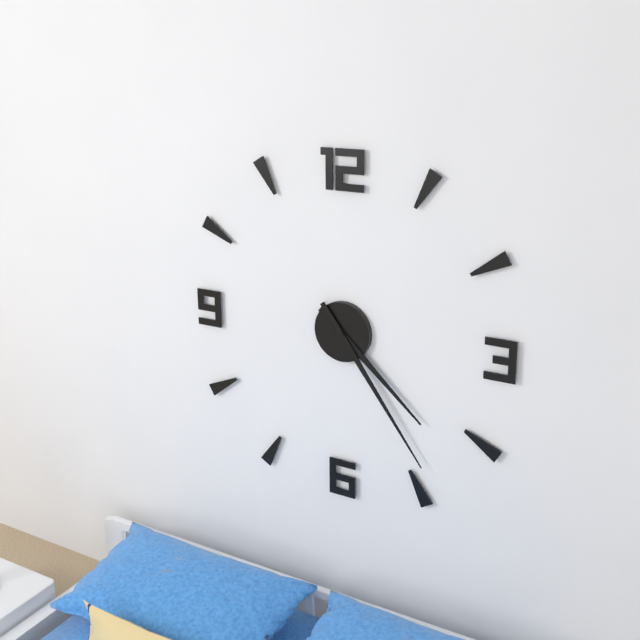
4 h 24 min
